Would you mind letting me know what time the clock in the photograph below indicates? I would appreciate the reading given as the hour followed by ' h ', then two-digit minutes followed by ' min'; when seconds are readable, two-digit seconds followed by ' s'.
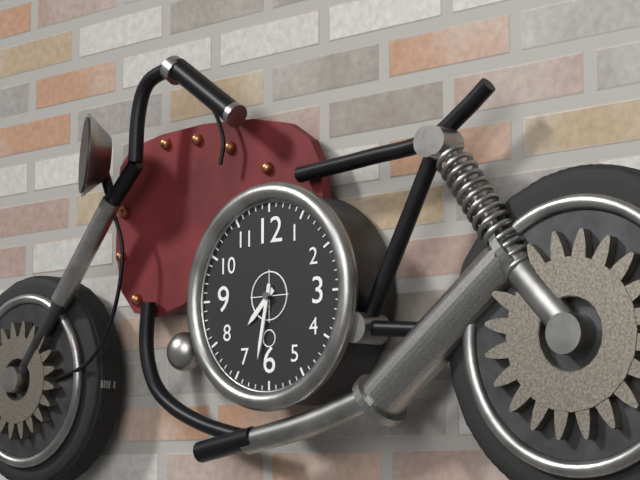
7 h 32 min
